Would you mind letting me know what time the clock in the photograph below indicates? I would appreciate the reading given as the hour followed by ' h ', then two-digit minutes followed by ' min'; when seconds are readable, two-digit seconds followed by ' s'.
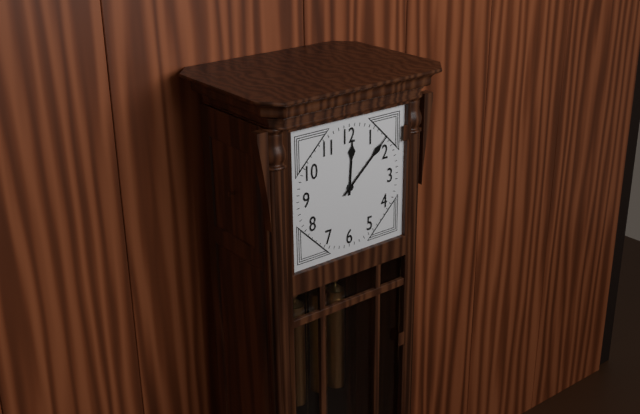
12 h 08 min
